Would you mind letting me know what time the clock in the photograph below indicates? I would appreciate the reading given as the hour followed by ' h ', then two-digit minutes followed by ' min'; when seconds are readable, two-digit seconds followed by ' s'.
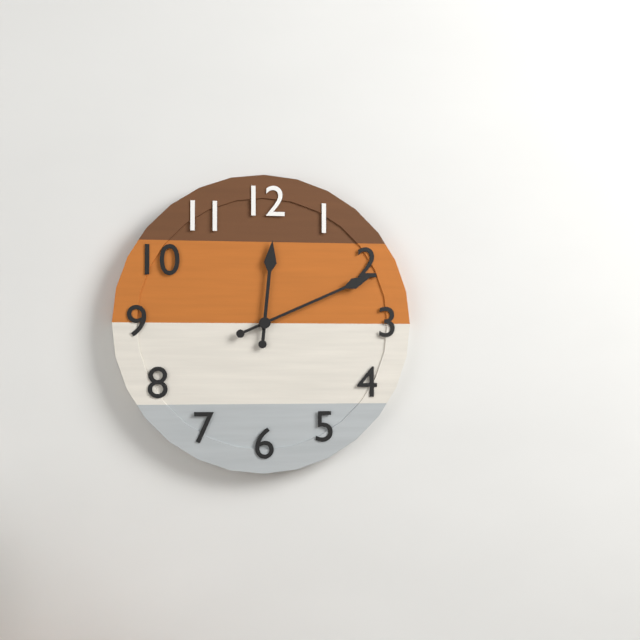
12 h 11 min
